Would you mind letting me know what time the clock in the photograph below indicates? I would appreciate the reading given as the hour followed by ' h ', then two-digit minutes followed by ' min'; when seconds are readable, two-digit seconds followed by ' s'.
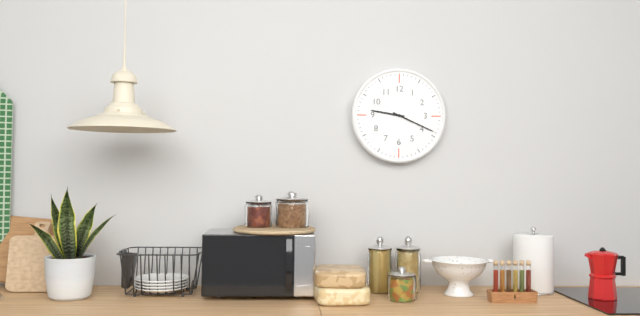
9 h 19 min
